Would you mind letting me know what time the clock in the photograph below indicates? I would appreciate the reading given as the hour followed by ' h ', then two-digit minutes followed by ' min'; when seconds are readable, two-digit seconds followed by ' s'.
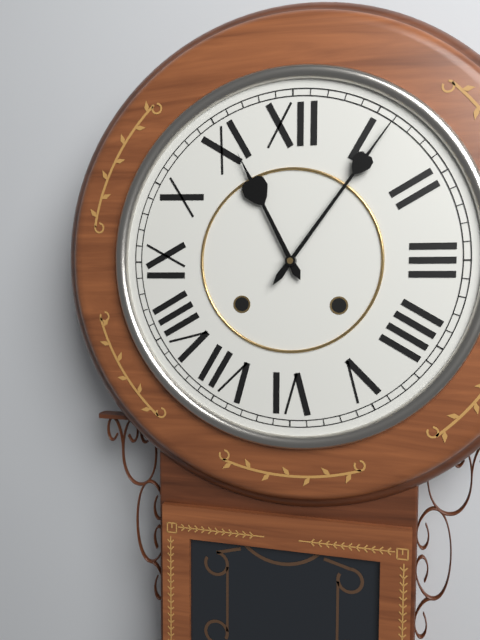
11 h 06 min
